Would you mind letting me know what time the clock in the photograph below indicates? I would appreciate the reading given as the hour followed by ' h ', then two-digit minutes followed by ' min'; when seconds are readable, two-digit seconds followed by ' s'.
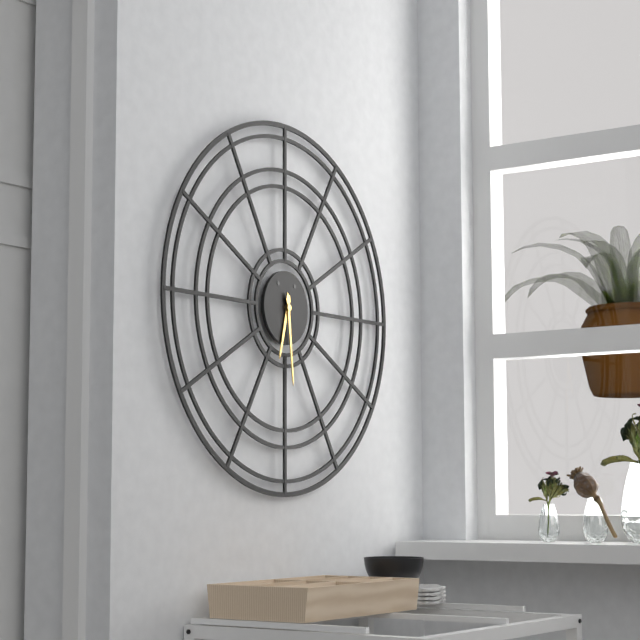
6 h 29 min
